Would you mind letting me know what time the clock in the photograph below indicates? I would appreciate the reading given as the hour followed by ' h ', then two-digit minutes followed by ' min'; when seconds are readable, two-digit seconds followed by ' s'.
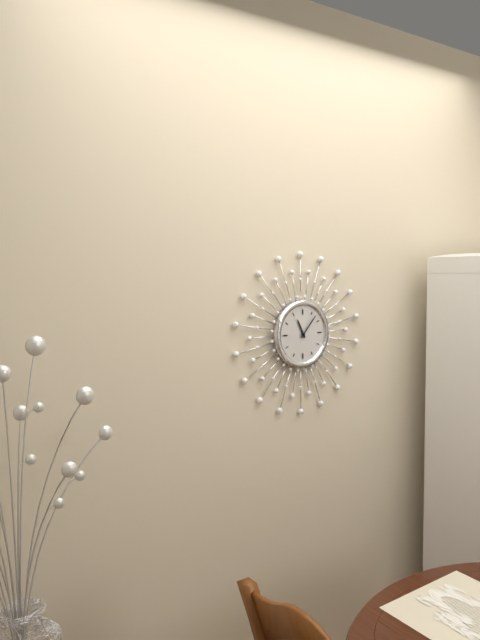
11 h 07 min
